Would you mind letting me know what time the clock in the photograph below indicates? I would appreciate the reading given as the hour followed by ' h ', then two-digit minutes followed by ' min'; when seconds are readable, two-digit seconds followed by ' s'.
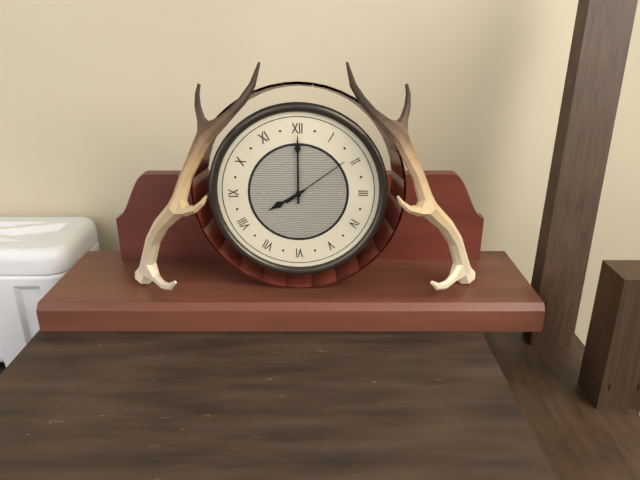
8 h 00 min 09 s
